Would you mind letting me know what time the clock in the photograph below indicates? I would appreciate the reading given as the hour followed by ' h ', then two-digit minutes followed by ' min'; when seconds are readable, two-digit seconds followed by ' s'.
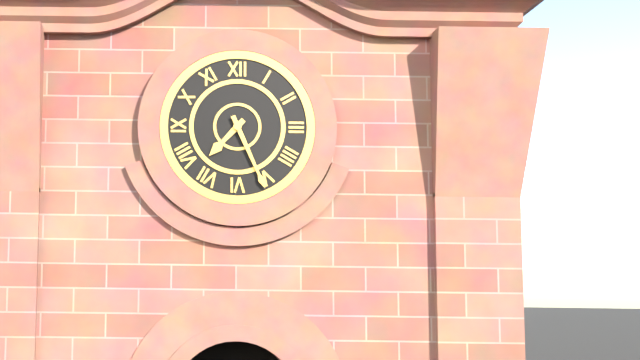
7 h 26 min
